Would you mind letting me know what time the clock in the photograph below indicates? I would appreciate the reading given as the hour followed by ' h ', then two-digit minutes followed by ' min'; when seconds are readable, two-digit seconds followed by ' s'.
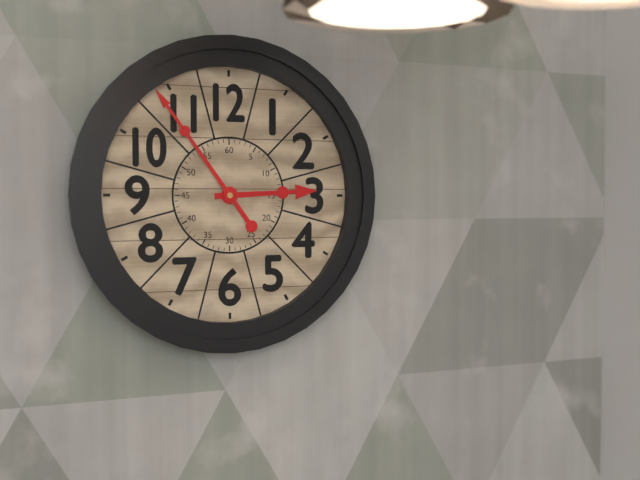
2 h 54 min
